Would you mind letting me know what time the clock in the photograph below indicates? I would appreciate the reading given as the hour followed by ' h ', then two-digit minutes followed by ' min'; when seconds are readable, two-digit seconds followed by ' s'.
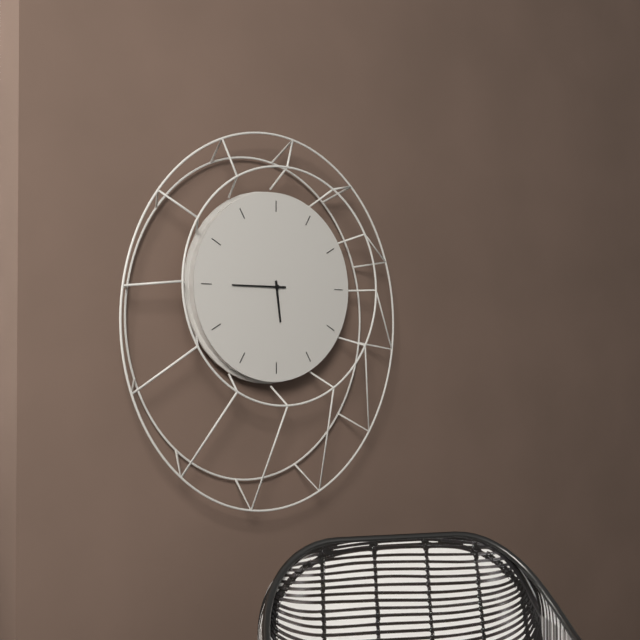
5 h 45 min
